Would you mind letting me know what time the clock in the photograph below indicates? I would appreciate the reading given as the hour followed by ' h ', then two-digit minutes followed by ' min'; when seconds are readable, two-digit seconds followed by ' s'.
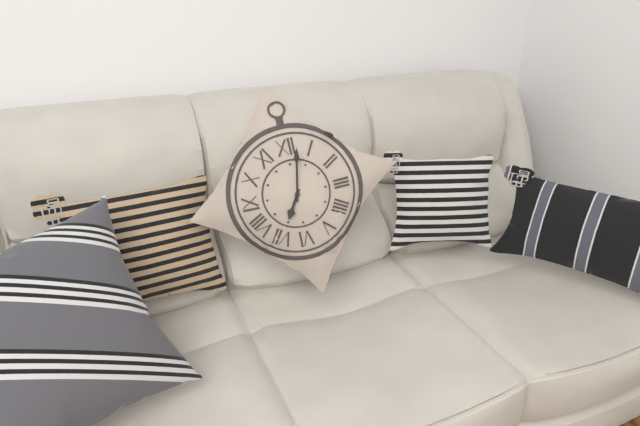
7 h 02 min
